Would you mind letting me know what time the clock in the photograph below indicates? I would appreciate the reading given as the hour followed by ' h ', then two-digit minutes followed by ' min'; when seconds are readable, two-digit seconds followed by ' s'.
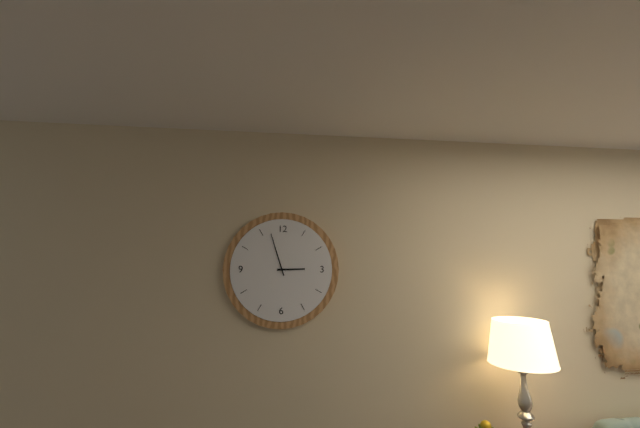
2 h 57 min
